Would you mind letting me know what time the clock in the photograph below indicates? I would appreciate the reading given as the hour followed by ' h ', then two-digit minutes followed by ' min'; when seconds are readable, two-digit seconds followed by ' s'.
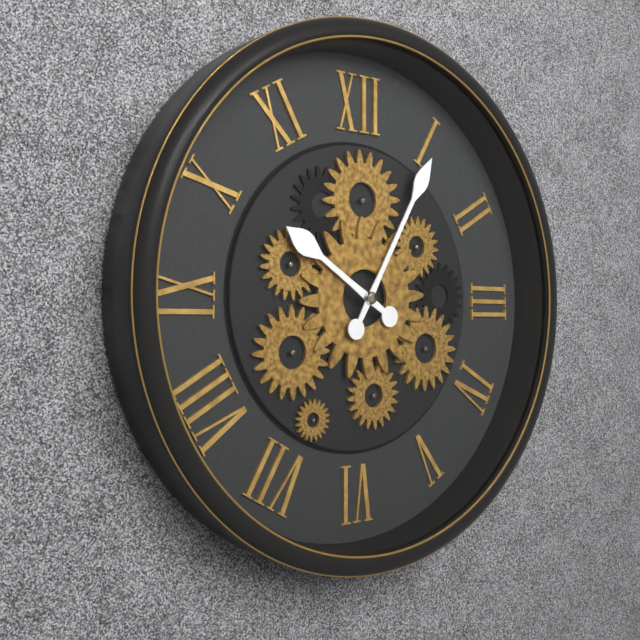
10 h 05 min
